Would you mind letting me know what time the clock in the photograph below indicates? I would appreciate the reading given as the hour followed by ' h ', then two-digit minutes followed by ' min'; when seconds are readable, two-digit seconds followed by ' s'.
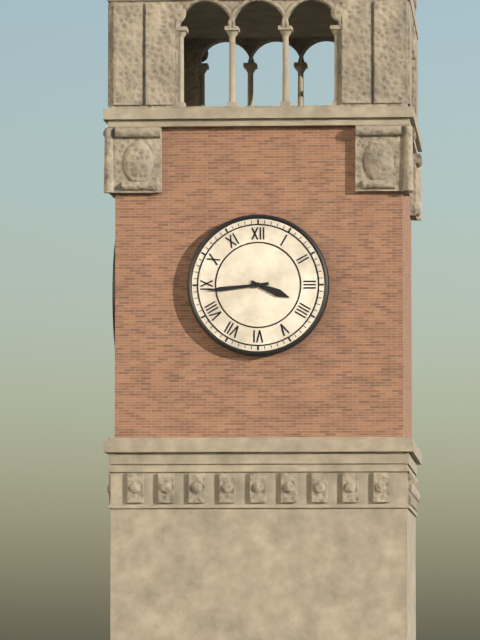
3 h 44 min
